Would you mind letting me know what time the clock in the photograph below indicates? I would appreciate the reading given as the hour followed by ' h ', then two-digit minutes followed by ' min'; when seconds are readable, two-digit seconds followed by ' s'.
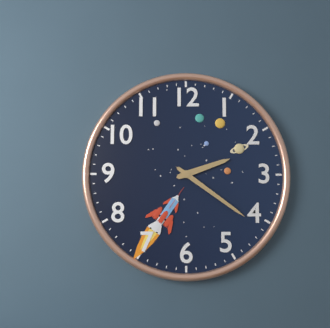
2 h 21 min
